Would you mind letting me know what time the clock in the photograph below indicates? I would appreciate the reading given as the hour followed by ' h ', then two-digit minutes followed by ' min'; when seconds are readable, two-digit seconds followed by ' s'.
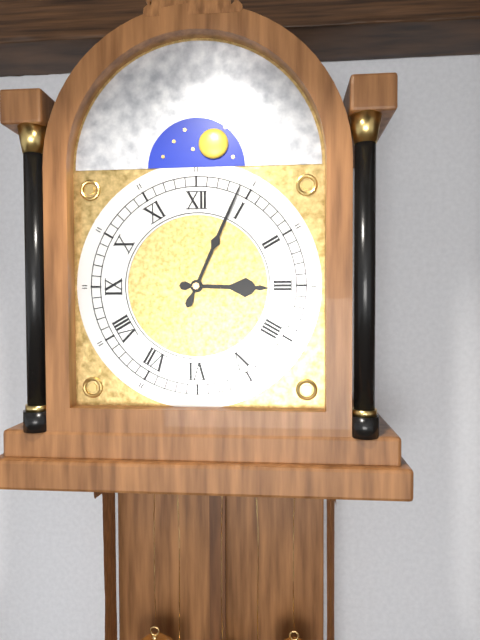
3 h 04 min
